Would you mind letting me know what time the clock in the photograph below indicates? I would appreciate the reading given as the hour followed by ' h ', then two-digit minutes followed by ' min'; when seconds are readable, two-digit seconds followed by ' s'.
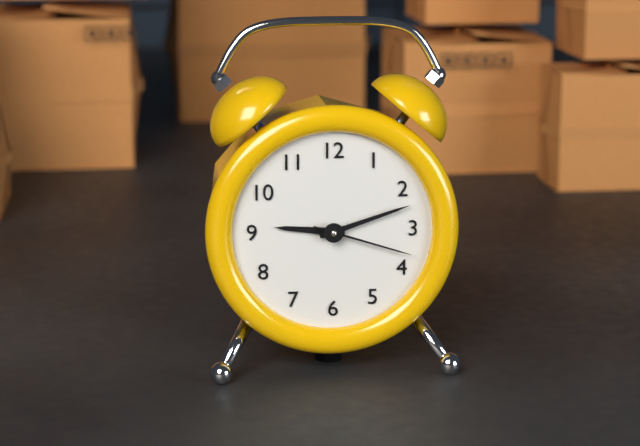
9 h 12 min 18 s
